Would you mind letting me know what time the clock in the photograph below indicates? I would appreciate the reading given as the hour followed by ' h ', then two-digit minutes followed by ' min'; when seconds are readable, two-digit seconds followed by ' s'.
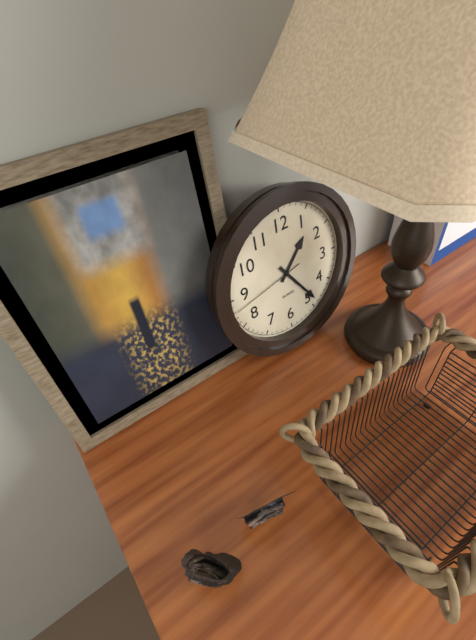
1 h 24 min 43 s
